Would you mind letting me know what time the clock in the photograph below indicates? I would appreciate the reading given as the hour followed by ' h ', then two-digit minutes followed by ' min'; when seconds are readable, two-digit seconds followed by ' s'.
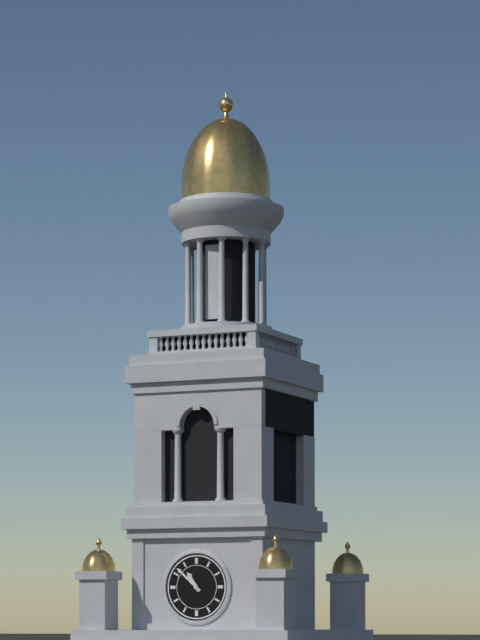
10 h 52 min
